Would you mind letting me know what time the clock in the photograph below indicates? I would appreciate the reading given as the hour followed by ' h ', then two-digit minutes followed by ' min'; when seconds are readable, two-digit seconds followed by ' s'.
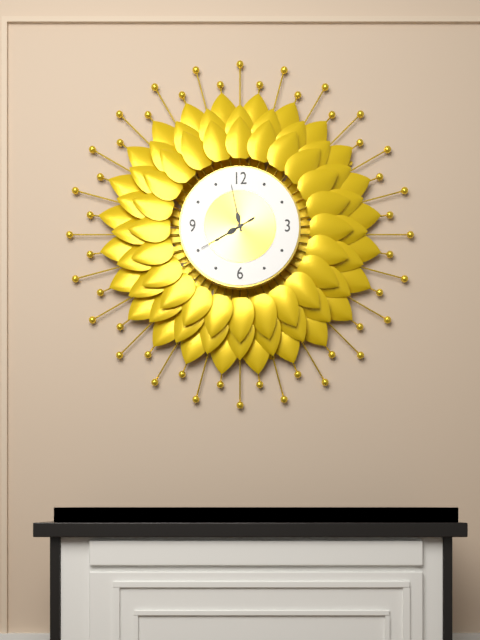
7 h 58 min 40 s
